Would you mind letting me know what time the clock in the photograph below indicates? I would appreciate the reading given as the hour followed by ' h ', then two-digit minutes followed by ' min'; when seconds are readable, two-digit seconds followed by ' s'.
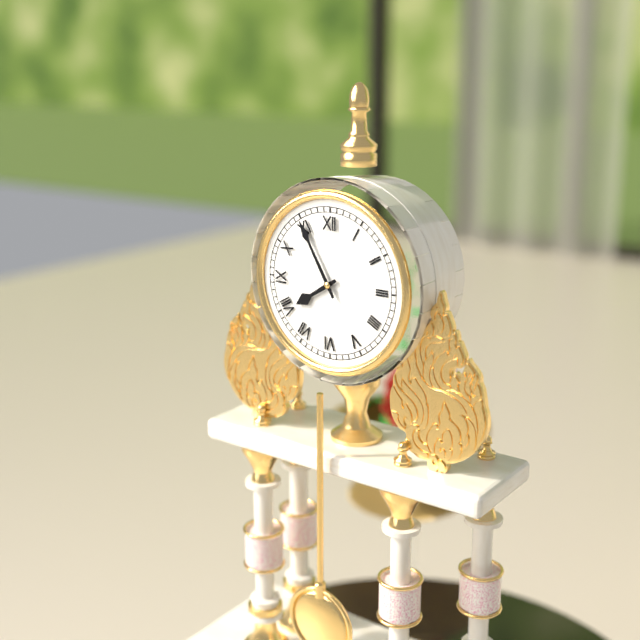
7 h 55 min
